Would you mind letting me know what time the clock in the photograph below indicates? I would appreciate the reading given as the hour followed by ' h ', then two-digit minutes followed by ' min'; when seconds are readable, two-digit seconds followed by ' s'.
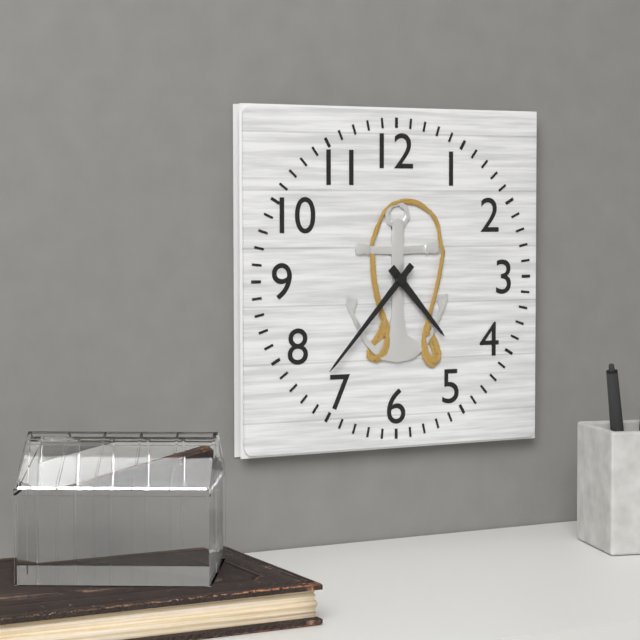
4 h 37 min
